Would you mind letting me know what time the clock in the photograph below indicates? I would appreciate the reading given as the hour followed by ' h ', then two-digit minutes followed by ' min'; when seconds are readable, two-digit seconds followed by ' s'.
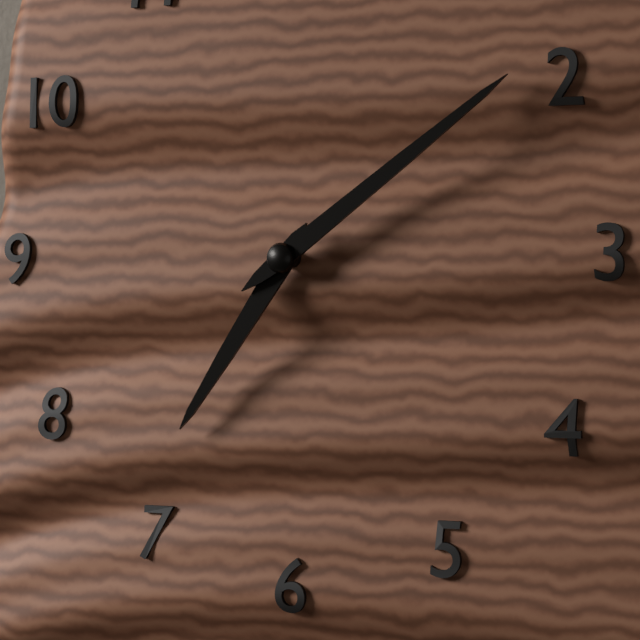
7 h 09 min
